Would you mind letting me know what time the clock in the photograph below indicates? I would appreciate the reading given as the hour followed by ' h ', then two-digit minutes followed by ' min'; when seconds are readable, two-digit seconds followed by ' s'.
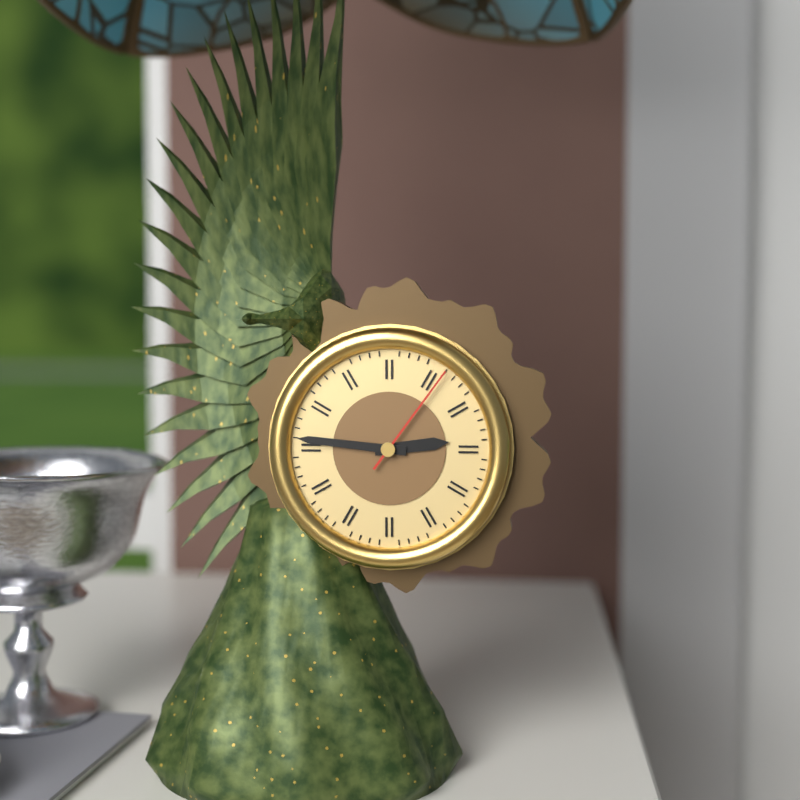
2 h 46 min 06 s
